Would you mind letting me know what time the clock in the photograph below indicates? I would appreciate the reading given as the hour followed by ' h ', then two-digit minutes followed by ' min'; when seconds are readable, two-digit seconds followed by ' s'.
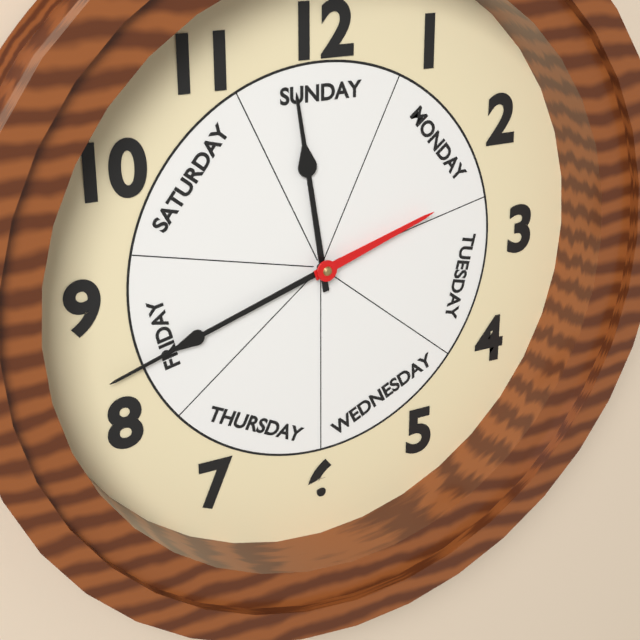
11 h 42 min 12 s
